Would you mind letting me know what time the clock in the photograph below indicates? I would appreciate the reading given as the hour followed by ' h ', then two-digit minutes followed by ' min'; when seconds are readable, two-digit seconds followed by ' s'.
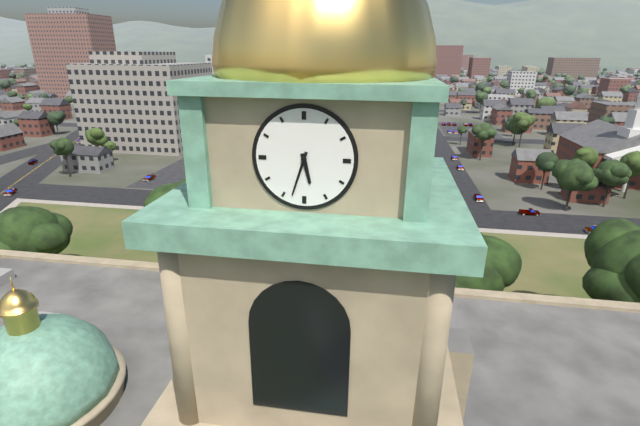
5 h 33 min
